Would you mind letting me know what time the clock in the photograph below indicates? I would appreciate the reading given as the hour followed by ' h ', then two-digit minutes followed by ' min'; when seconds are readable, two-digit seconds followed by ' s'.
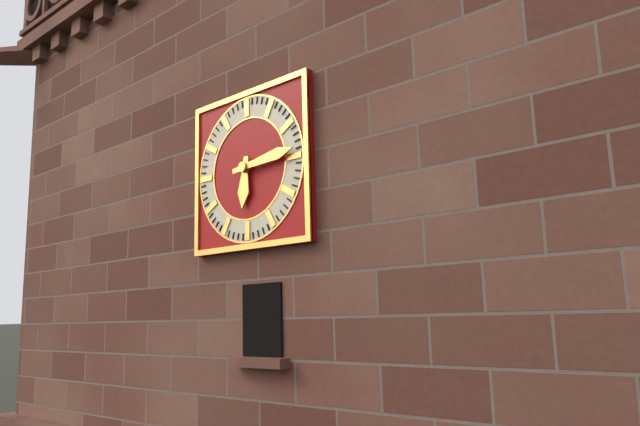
6 h 14 min
